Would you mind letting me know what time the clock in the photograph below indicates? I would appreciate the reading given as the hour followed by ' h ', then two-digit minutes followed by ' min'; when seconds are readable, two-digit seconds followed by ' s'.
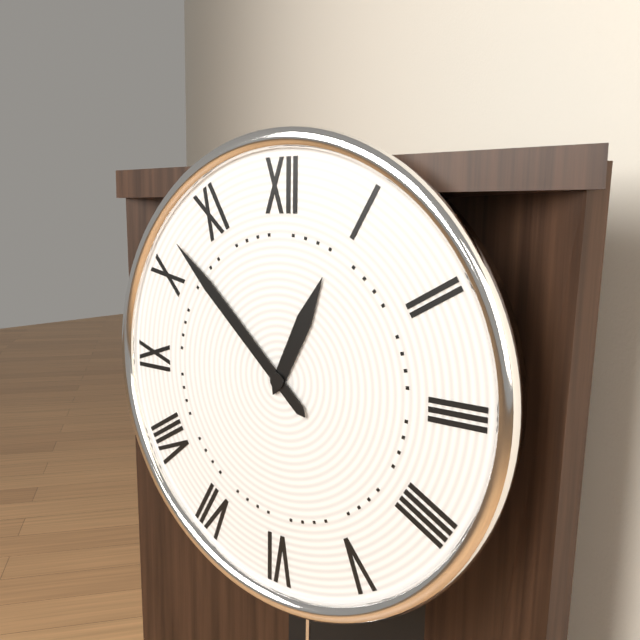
12 h 52 min
